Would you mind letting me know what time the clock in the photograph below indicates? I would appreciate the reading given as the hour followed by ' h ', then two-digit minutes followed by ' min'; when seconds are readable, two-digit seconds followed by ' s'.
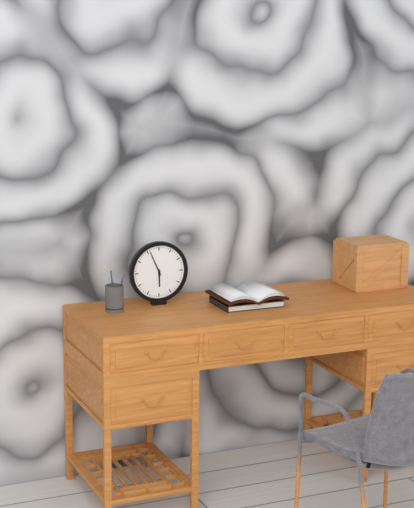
5 h 56 min
